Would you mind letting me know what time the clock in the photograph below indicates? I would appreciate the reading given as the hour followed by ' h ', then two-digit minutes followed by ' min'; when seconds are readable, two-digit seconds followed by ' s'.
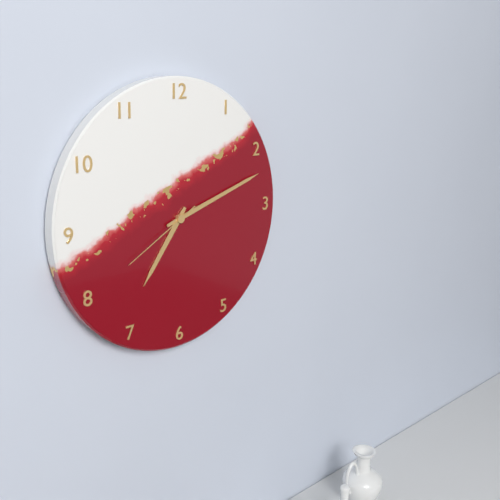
7 h 12 min 40 s
